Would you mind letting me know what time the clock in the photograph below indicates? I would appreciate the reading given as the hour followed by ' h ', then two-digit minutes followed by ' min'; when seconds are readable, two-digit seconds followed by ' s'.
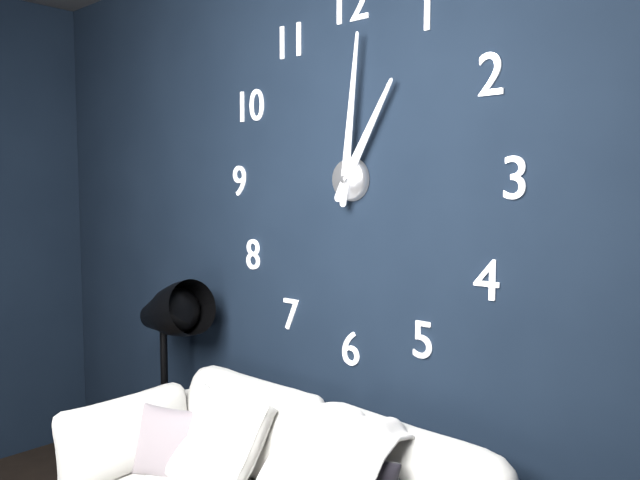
1 h 01 min
